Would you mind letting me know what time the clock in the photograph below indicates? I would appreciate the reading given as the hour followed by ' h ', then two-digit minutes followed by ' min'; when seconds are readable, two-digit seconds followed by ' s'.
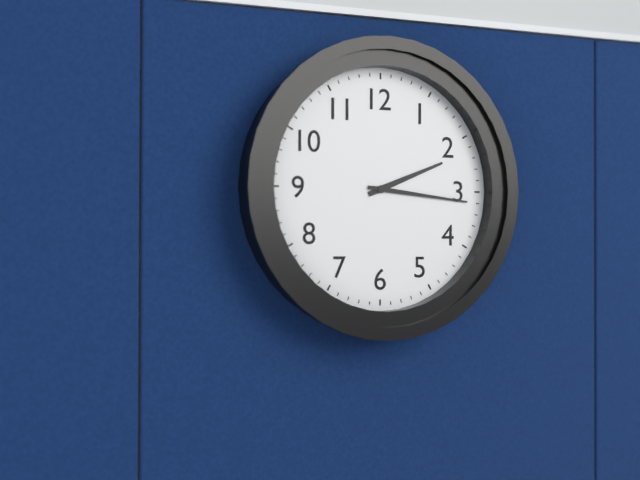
2 h 16 min
